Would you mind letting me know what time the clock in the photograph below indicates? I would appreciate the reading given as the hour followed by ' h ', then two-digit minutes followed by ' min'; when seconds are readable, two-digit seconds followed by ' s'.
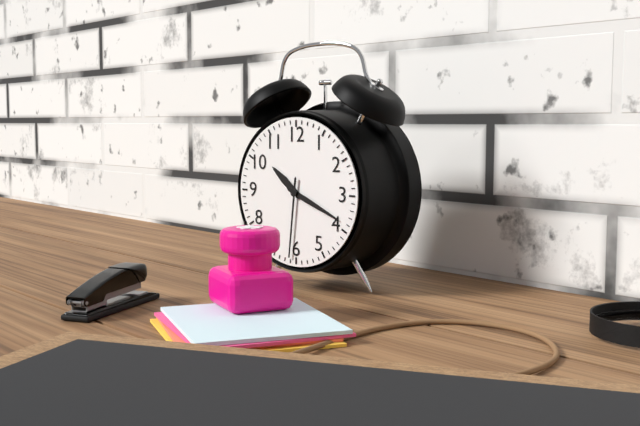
10 h 19 min 31 s
